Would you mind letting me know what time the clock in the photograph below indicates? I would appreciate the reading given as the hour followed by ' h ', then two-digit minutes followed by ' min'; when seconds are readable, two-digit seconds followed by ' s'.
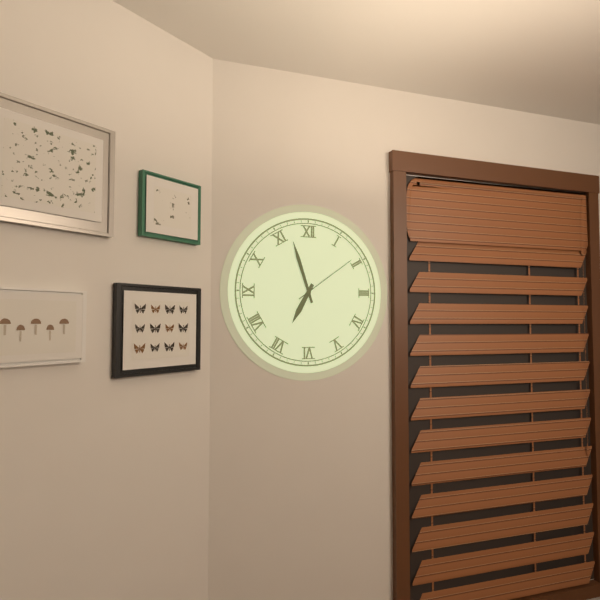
6 h 57 min 09 s
